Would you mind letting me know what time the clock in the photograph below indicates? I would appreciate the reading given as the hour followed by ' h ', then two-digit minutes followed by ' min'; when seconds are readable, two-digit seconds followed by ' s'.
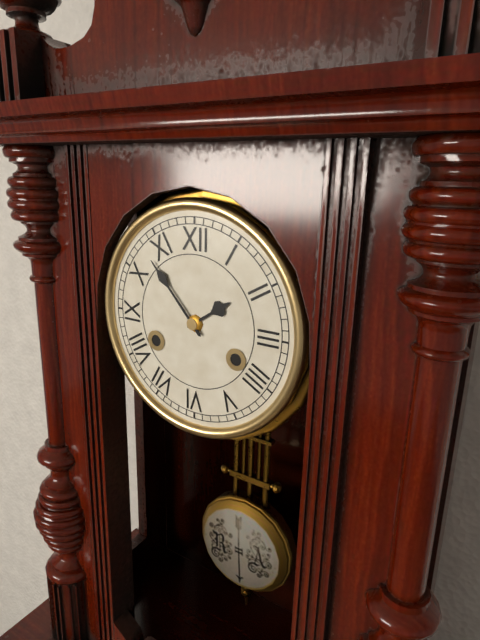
1 h 53 min
